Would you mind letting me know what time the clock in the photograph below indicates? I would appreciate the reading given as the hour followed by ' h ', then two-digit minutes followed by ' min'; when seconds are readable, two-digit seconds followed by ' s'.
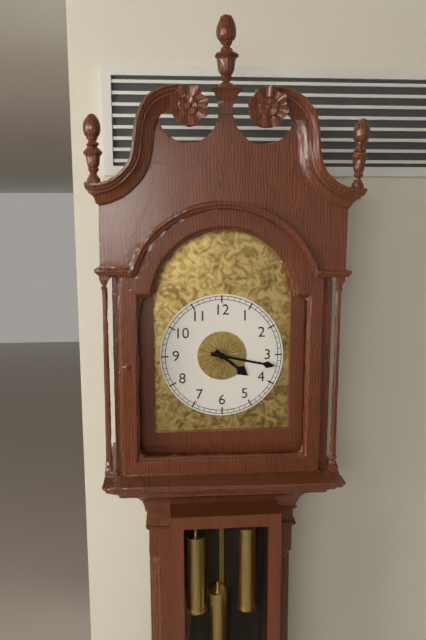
4 h 17 min
